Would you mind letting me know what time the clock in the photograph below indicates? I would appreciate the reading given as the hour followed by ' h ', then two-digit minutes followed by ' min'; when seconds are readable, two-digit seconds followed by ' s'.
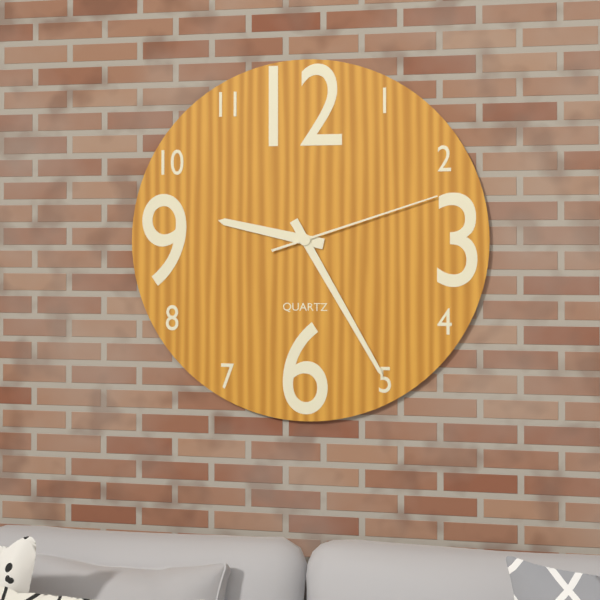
9 h 25 min 12 s
